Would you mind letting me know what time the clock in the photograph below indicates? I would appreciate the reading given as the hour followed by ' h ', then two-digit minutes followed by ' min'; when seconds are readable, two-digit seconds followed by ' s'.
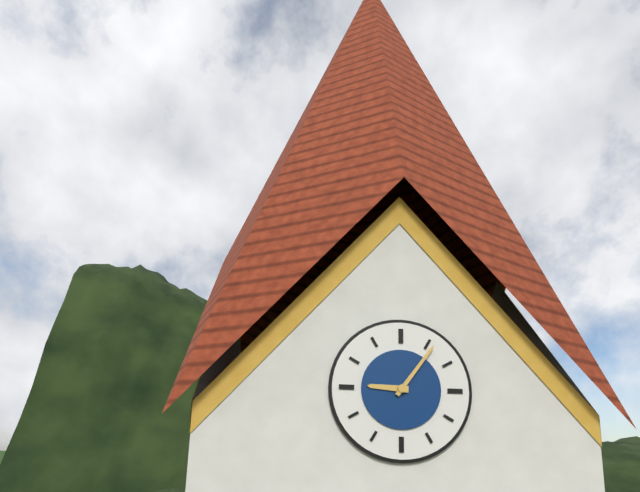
9 h 06 min
